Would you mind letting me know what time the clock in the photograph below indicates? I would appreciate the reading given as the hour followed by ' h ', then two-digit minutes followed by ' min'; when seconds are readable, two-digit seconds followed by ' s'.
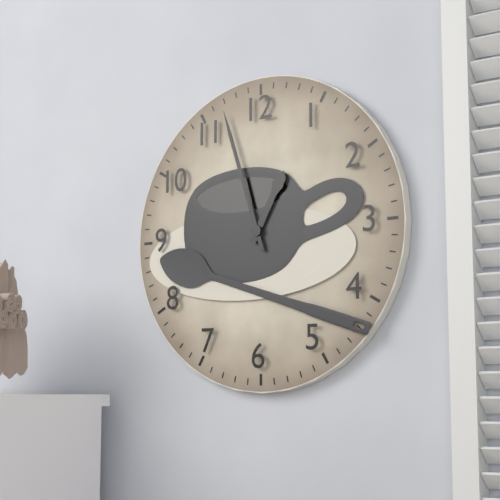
12 h 57 min
